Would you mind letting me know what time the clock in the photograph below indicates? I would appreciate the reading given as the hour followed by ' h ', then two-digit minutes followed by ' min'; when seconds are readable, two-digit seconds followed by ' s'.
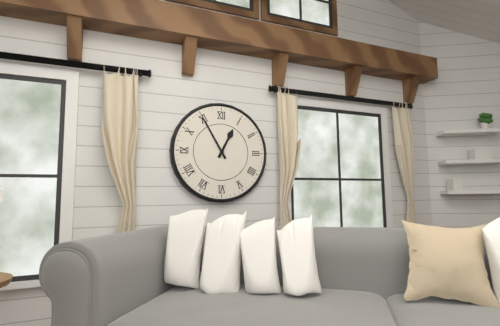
12 h 55 min
